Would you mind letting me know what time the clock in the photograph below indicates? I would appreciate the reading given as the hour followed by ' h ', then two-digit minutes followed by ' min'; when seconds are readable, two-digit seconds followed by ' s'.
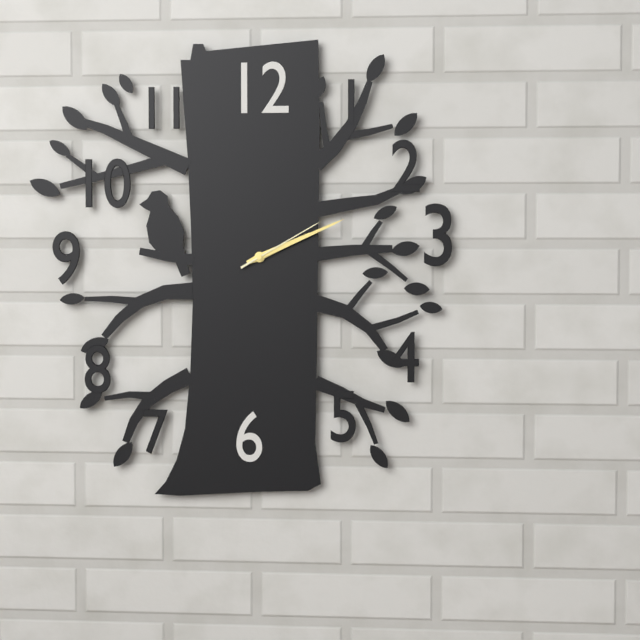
2 h 11 min 10 s
